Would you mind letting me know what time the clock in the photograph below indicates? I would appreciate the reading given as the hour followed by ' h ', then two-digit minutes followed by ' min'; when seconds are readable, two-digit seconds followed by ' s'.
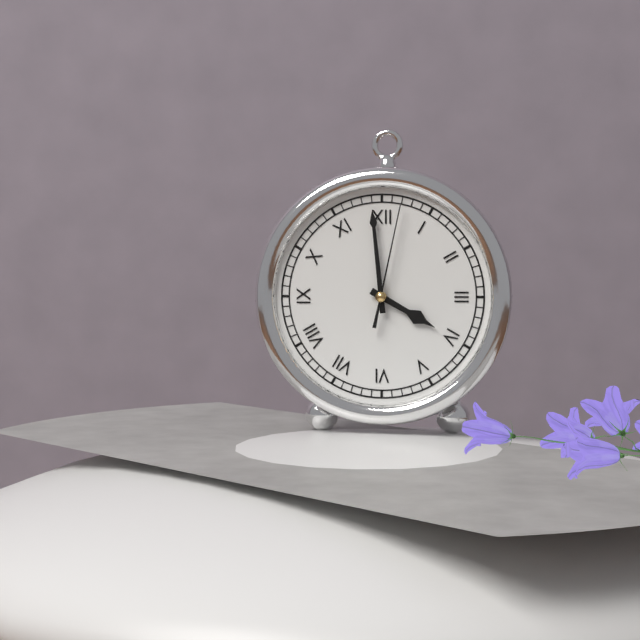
3 h 59 min 02 s
